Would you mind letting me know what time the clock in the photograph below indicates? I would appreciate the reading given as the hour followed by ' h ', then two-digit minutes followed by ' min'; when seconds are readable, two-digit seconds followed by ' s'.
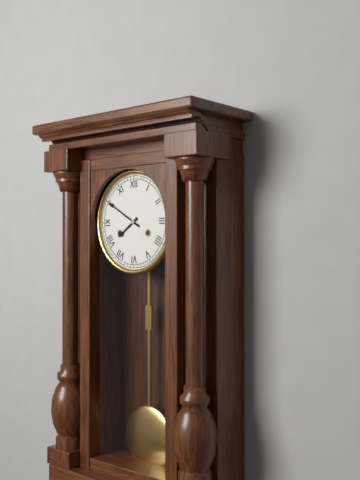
7 h 50 min
